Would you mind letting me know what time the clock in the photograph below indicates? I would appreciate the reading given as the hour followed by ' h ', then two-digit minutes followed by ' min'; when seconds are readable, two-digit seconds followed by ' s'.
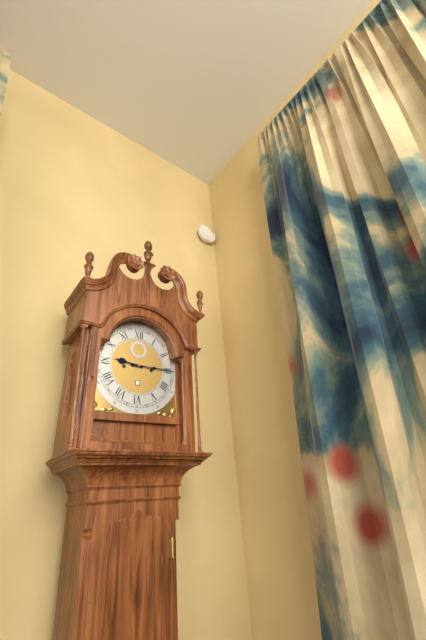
9 h 15 min
